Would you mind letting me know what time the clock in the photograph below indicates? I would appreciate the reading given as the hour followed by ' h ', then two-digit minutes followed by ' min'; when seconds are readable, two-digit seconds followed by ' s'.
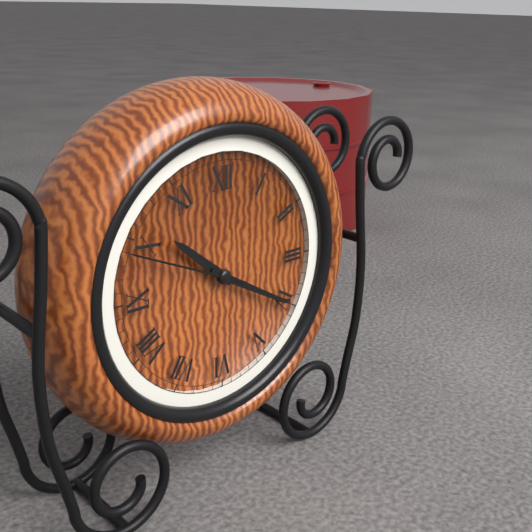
10 h 20 min 49 s
